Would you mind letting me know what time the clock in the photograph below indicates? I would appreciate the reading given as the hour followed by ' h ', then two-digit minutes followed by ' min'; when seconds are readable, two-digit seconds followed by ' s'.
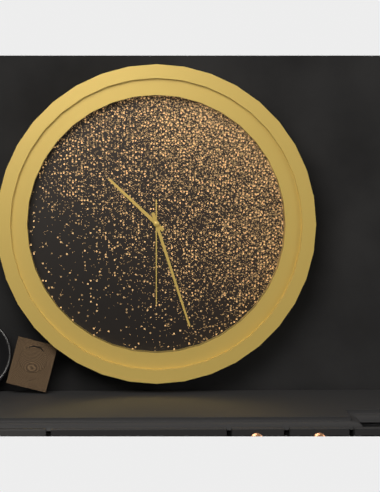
10 h 27 min 30 s
